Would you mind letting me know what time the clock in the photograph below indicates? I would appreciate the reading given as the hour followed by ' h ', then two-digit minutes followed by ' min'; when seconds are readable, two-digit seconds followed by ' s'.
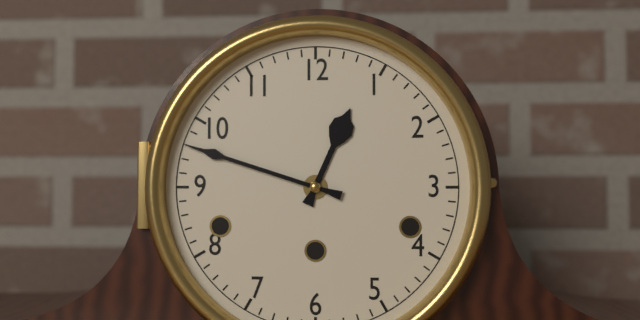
12 h 48 min
